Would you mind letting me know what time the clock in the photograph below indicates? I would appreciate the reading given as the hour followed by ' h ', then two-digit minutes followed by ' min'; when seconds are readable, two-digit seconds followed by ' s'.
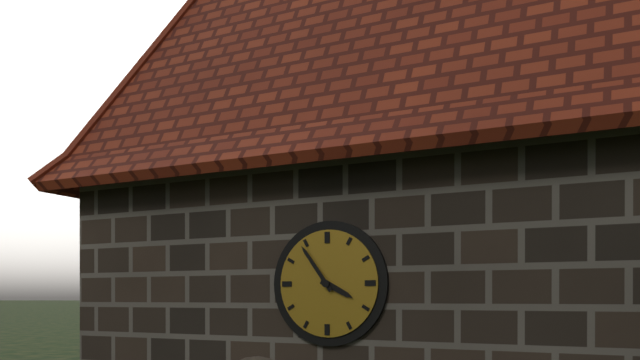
3 h 54 min
